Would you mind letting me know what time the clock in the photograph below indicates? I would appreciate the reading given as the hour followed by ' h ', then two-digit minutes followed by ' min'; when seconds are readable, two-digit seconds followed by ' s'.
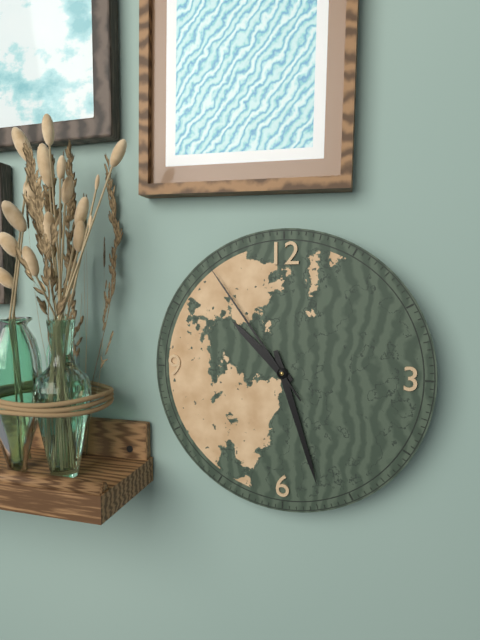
10 h 27 min 54 s
